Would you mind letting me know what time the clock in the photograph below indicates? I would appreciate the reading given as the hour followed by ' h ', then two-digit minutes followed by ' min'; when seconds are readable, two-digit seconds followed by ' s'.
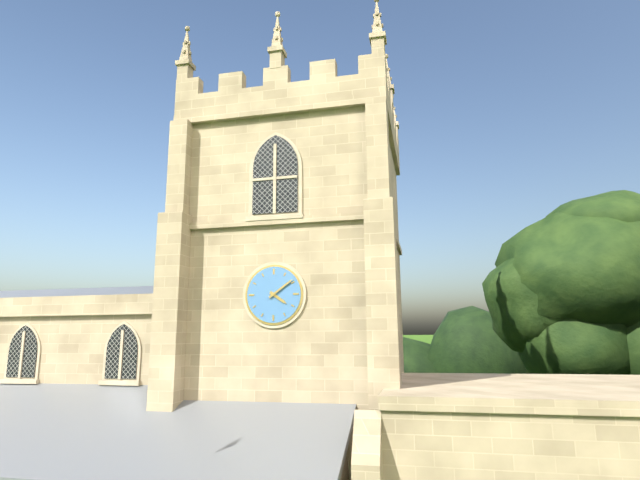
4 h 09 min
